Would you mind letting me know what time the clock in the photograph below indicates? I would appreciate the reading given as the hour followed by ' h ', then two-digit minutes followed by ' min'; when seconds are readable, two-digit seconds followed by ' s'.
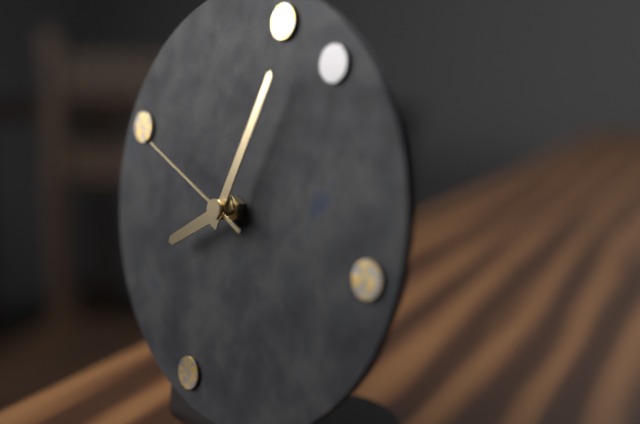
8 h 04 min 49 s
